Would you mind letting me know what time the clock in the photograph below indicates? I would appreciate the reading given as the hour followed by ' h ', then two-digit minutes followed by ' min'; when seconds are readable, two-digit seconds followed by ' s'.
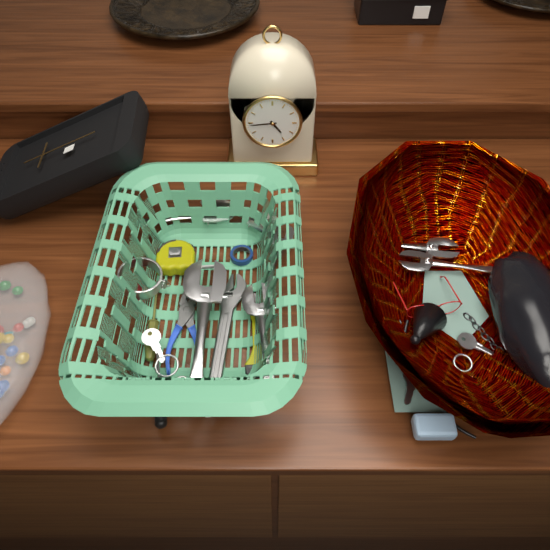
4 h 44 min
